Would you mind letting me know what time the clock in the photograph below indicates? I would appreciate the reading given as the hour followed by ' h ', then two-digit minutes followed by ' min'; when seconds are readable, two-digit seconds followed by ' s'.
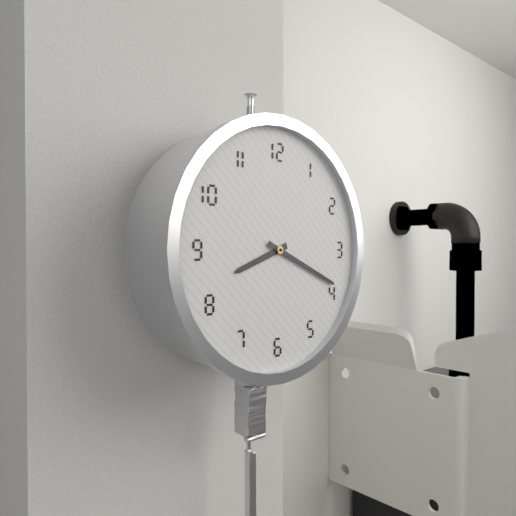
8 h 19 min
